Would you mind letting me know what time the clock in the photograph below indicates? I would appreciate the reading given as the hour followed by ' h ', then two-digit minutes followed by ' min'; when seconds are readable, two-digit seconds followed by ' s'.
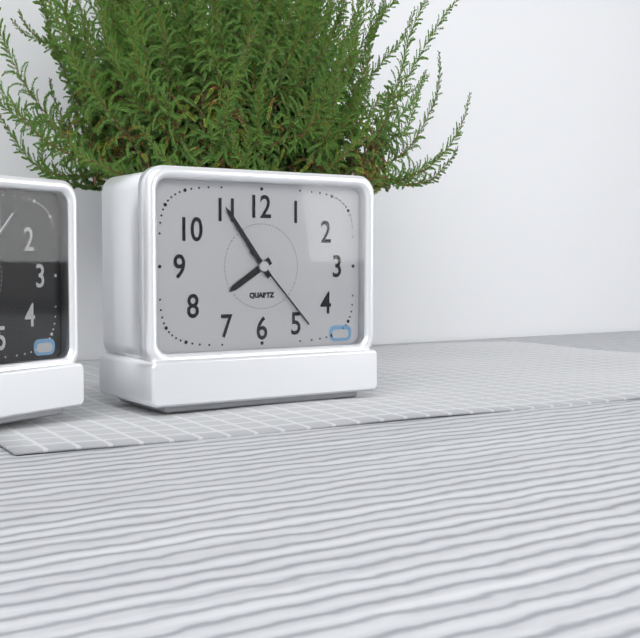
7 h 54 min 23 s
